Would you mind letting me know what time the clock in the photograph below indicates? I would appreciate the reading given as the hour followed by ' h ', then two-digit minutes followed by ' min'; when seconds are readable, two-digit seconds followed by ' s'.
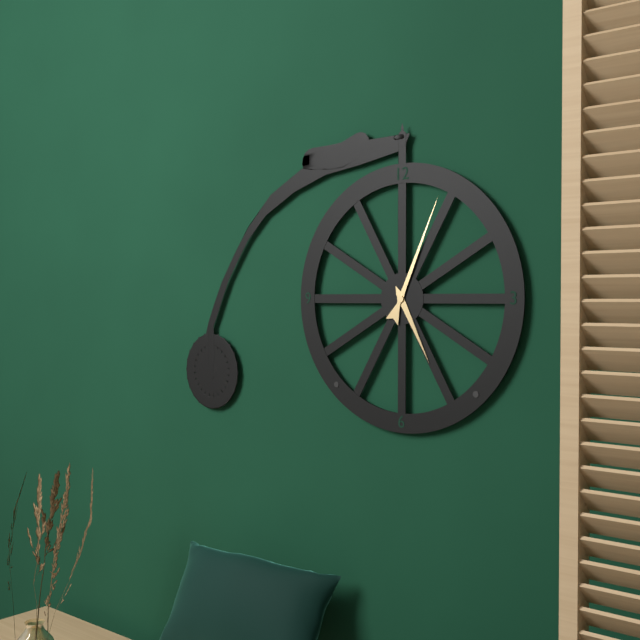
5 h 04 min
